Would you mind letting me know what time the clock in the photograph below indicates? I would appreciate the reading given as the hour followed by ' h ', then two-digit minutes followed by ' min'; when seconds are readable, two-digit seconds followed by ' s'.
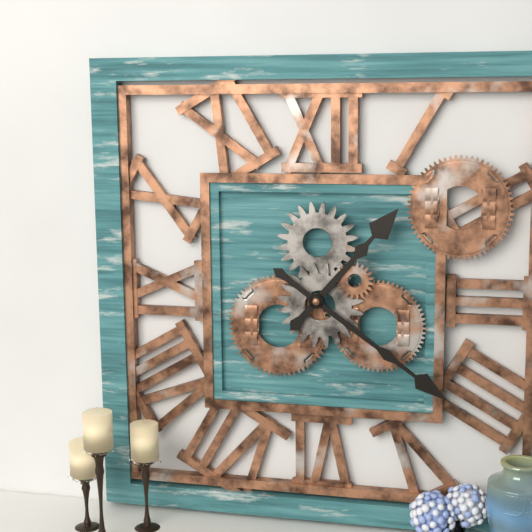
1 h 21 min
